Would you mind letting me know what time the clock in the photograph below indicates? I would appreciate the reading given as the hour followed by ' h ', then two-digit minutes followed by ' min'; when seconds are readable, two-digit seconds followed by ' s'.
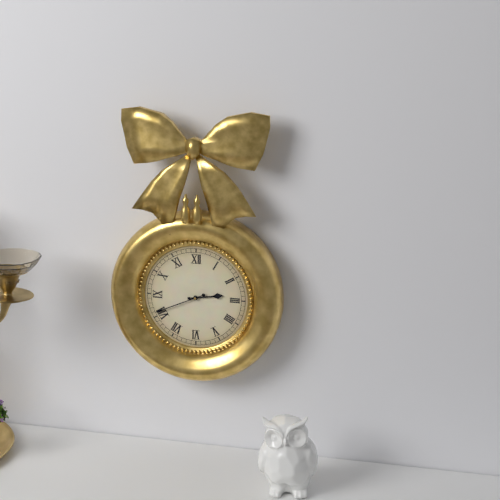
2 h 41 min
